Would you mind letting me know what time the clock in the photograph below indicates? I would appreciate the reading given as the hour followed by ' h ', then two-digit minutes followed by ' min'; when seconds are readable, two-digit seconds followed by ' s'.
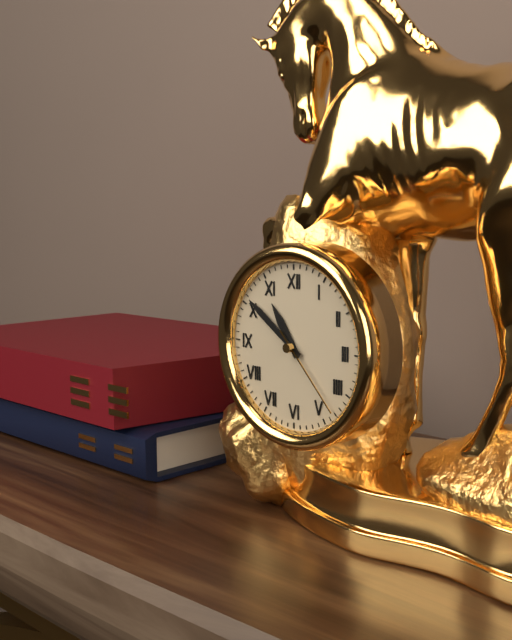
10 h 51 min 23 s
